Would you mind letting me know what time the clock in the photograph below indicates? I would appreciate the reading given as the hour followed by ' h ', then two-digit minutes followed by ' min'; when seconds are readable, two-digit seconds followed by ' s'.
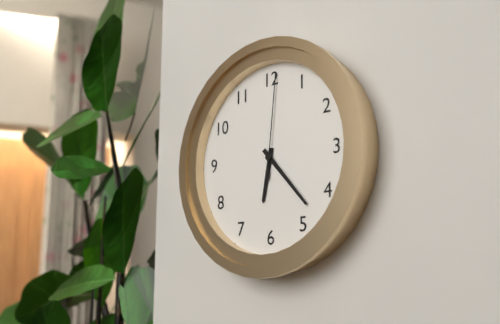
6 h 23 min 01 s
